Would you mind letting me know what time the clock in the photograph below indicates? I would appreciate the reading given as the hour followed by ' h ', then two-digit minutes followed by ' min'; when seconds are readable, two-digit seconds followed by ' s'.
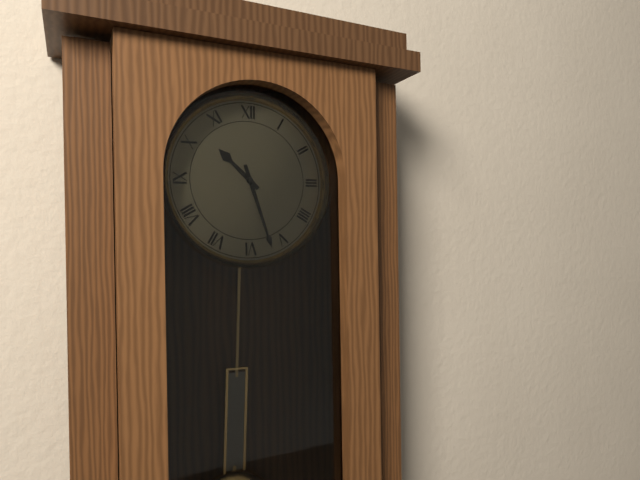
10 h 27 min
